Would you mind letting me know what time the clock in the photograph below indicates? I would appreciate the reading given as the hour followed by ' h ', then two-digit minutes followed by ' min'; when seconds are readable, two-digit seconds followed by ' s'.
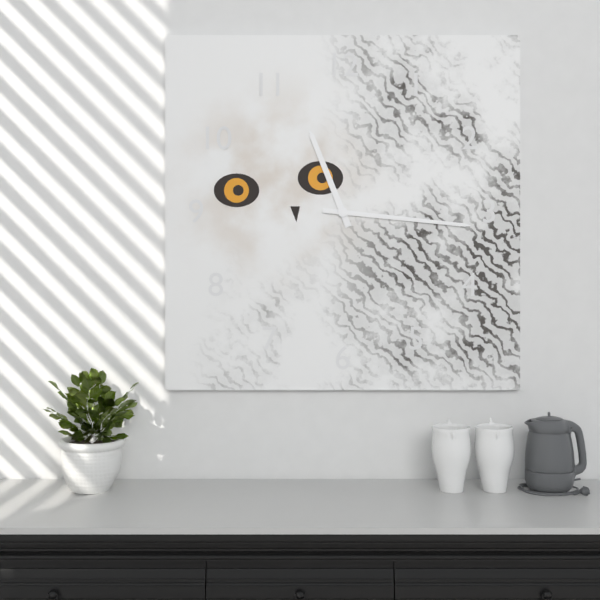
11 h 16 min
